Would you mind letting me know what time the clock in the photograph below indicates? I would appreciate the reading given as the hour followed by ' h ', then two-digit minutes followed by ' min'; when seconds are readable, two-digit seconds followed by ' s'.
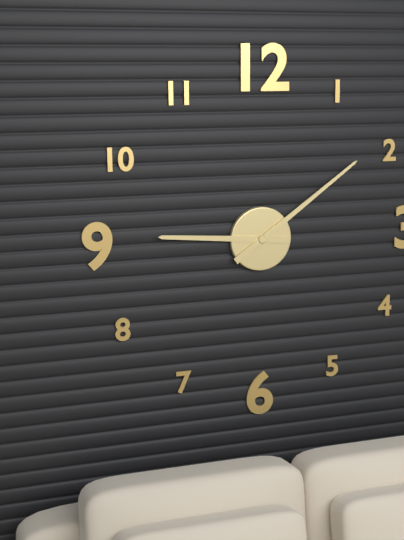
9 h 09 min
